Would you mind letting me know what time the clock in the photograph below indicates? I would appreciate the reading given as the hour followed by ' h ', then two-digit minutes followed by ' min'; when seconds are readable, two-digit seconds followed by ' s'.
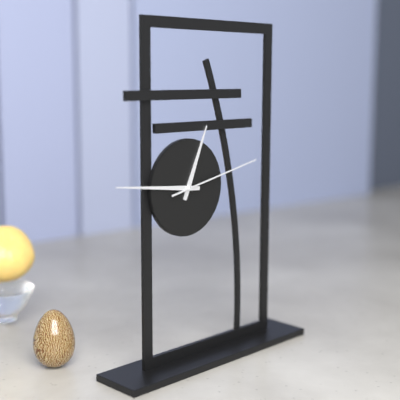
12 h 46 min 13 s
